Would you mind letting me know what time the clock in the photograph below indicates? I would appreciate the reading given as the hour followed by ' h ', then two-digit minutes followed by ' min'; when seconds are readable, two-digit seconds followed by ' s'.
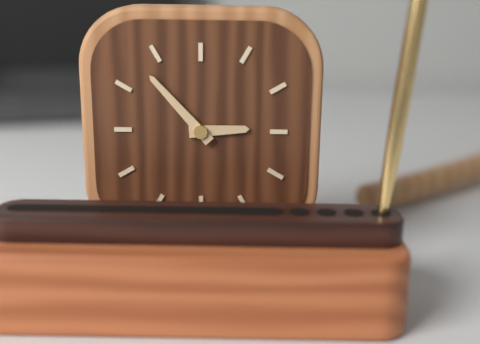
2 h 53 min
